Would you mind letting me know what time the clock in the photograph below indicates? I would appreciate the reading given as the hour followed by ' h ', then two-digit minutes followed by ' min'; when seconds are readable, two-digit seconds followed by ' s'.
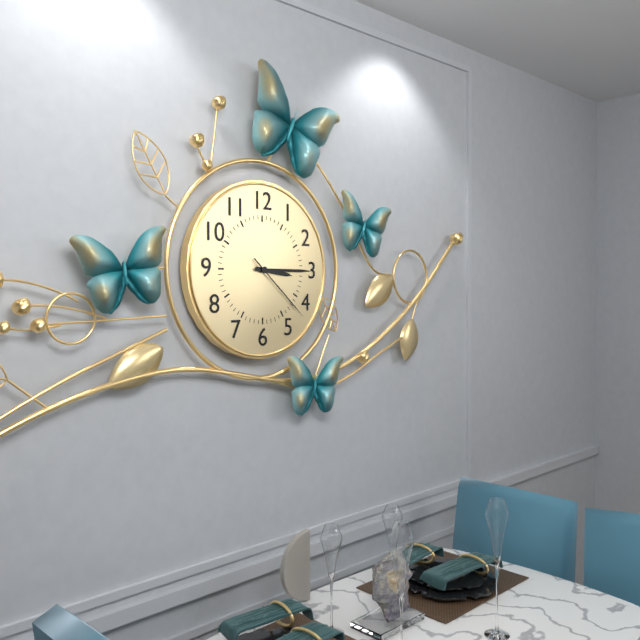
3 h 15 min 22 s
